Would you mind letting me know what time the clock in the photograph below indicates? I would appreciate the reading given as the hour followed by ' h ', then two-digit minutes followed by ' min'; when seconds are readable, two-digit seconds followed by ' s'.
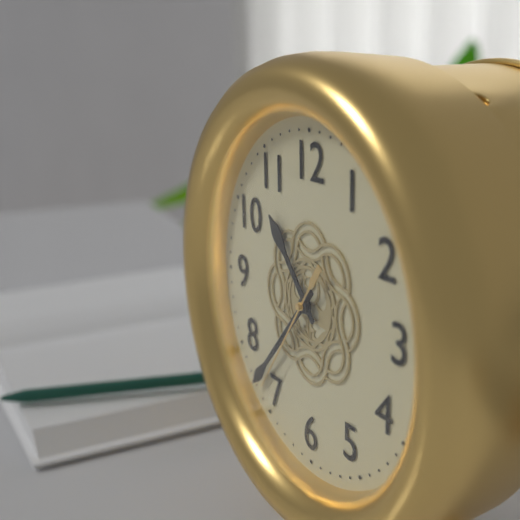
10 h 37 min 36 s
